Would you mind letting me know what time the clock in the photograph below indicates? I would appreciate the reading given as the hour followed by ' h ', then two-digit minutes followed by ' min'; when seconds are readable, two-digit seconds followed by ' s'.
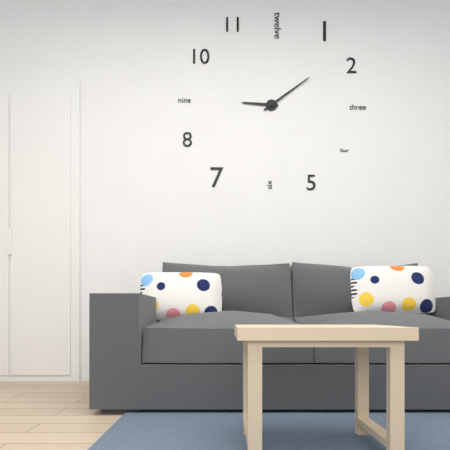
9 h 09 min
